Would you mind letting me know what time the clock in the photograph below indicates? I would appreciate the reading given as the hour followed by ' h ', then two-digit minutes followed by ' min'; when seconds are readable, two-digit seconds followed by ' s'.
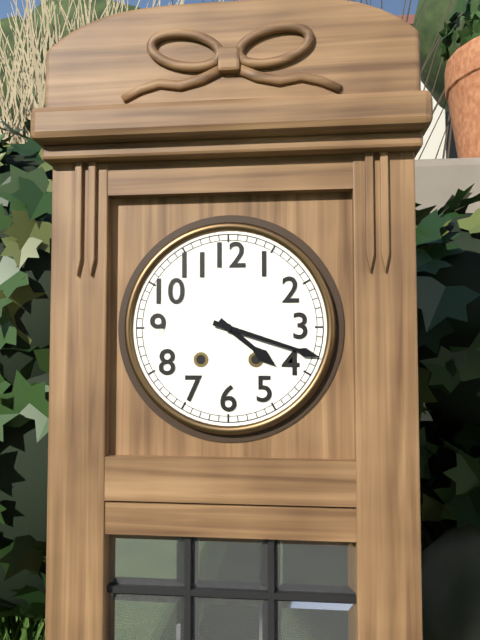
4 h 18 min
